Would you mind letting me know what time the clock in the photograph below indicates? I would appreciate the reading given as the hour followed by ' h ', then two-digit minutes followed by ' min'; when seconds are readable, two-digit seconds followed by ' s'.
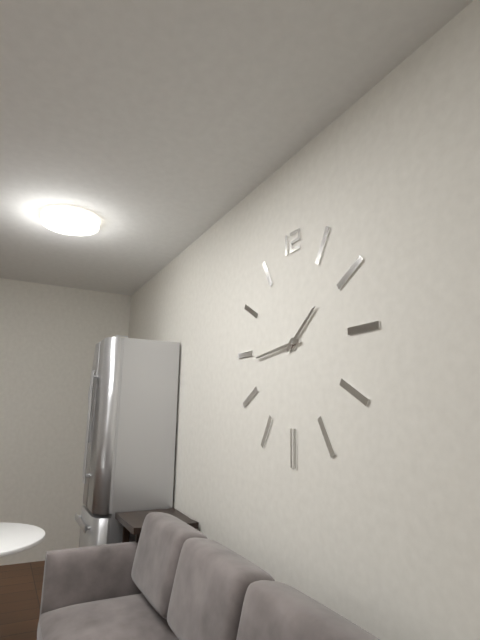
1 h 44 min
